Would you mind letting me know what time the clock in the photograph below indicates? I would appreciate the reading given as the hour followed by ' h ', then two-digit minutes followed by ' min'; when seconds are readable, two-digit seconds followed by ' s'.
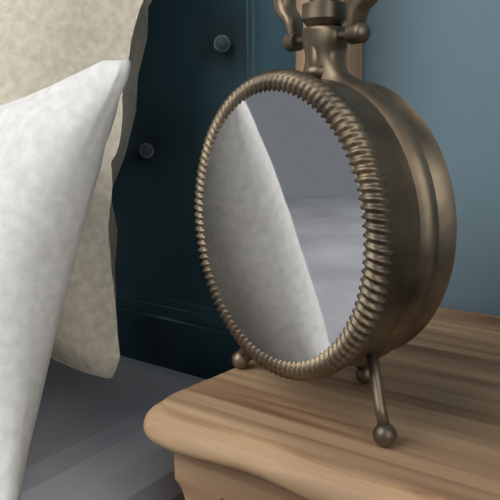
12 h 38 min
